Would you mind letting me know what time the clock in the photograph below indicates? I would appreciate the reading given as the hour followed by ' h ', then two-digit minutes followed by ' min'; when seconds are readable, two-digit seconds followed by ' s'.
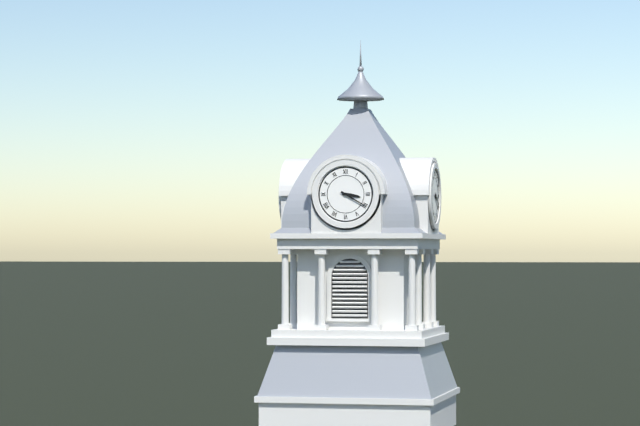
3 h 20 min
